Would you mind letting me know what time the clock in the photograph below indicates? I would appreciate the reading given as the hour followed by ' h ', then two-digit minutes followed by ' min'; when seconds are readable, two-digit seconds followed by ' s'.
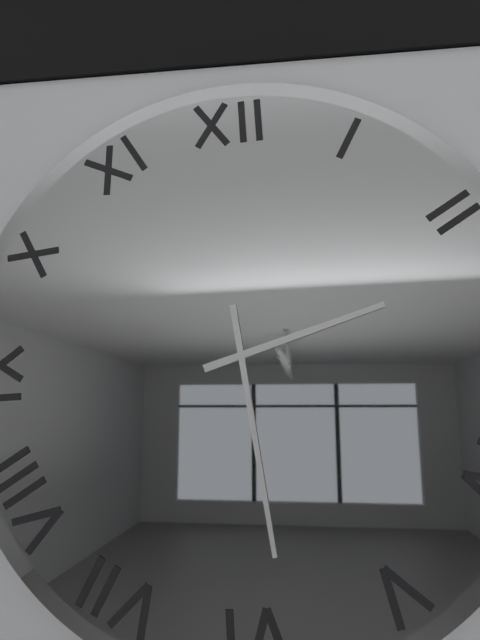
2 h 29 min
